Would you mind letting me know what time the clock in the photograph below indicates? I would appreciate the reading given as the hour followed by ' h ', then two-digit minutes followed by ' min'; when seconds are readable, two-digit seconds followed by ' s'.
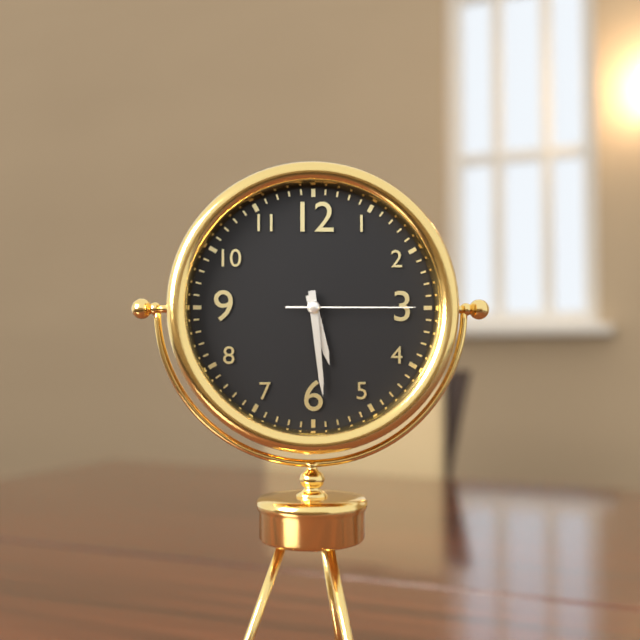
5 h 29 min 15 s
